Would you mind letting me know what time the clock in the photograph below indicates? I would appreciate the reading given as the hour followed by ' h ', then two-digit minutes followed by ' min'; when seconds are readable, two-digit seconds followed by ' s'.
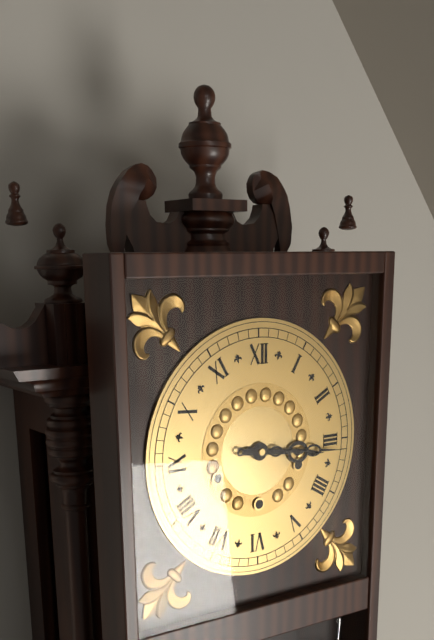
3 h 16 min
